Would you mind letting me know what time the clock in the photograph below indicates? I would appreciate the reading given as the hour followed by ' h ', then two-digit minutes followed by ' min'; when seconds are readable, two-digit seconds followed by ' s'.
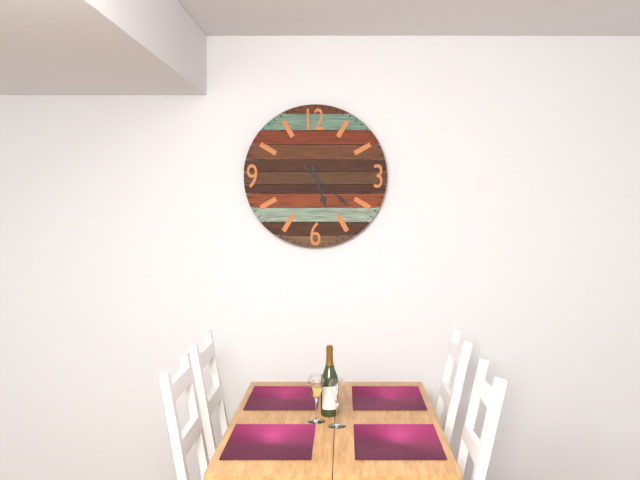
5 h 22 min
